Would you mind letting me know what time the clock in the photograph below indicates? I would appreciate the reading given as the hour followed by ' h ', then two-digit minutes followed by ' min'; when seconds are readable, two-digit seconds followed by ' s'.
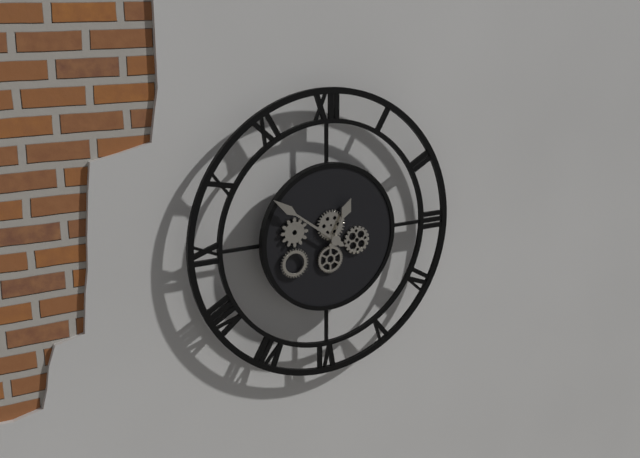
12 h 51 min
